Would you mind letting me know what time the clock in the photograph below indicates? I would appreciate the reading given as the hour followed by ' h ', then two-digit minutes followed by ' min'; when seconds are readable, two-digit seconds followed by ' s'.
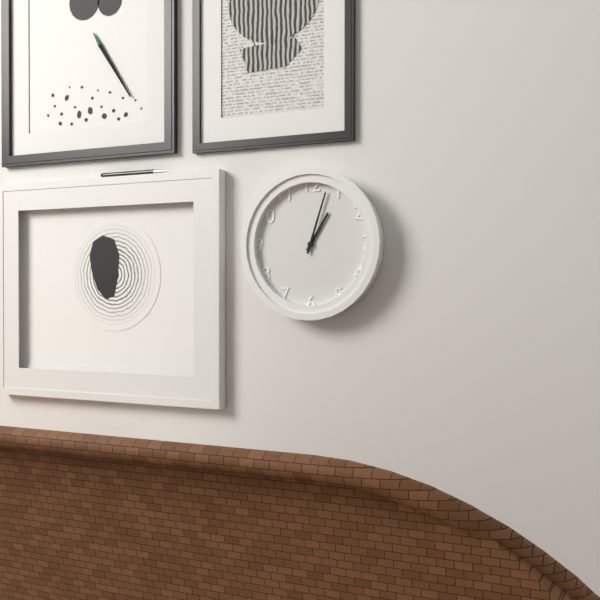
1 h 03 min
